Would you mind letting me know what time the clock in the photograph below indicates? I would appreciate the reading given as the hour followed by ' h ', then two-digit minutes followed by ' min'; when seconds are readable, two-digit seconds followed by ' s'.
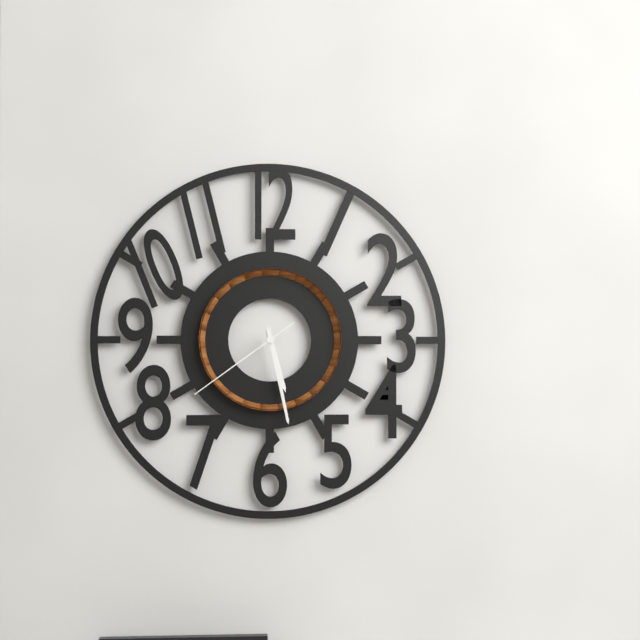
5 h 28 min 39 s
